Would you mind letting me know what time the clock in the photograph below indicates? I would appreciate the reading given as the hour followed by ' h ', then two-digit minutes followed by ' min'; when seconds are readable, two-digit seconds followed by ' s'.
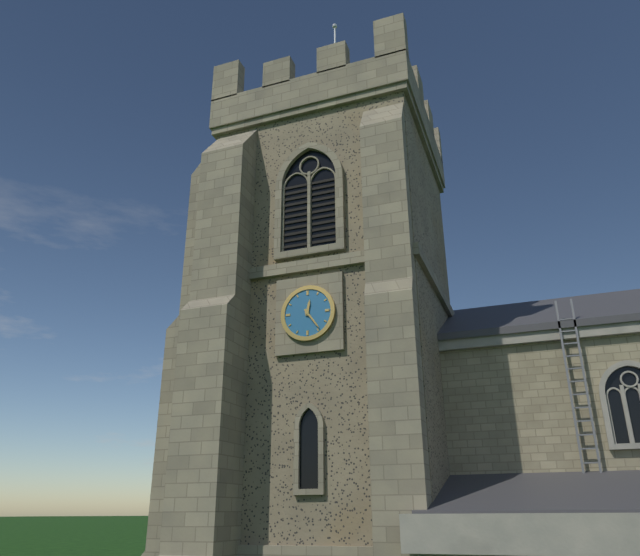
12 h 24 min
